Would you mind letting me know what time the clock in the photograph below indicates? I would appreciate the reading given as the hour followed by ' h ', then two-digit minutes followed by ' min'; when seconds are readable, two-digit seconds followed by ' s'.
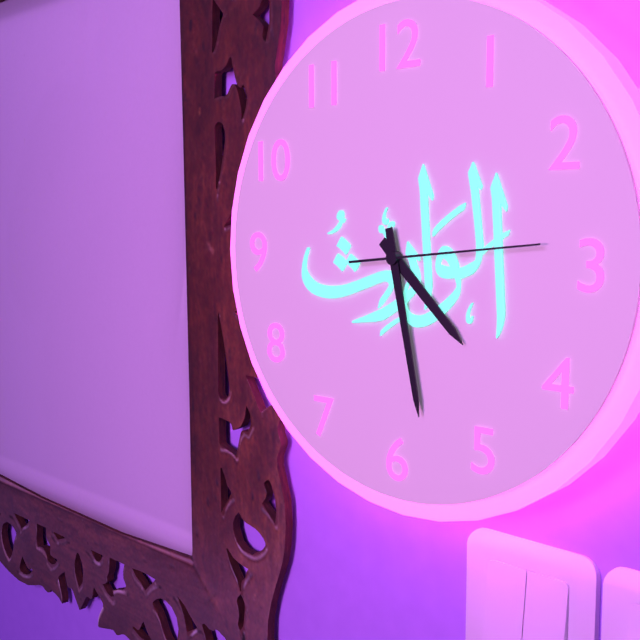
4 h 28 min 14 s
